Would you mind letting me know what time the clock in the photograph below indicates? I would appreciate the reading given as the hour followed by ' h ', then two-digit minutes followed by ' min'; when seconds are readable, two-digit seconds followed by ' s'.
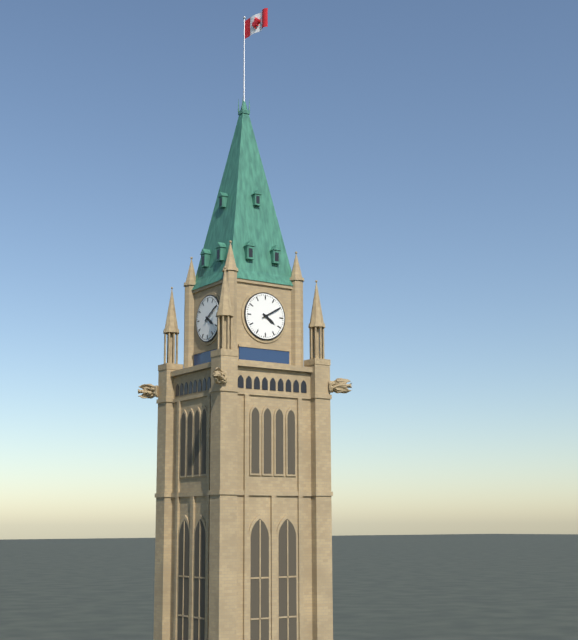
4 h 10 min
